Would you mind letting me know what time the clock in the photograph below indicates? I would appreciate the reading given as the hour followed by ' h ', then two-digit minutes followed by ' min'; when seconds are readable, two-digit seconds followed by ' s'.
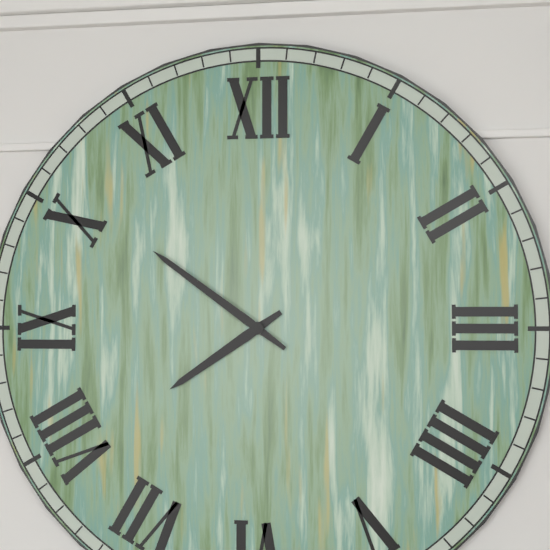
7 h 51 min
